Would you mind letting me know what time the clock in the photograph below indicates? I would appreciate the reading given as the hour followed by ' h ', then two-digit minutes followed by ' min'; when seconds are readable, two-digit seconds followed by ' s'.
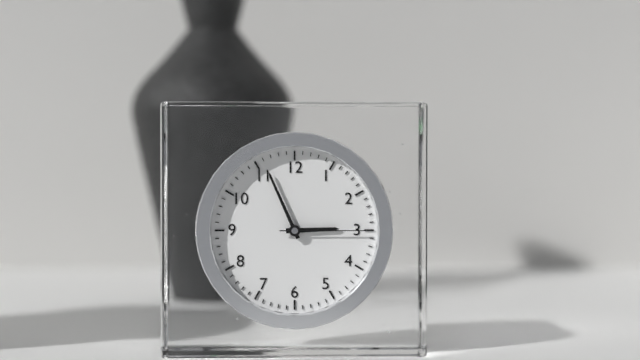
2 h 56 min 15 s
